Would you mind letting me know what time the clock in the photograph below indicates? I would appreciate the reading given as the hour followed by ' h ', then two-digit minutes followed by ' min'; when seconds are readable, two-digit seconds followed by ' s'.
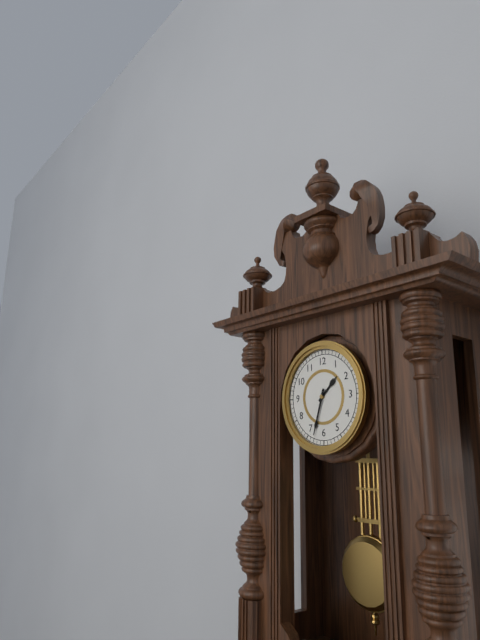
1 h 33 min
